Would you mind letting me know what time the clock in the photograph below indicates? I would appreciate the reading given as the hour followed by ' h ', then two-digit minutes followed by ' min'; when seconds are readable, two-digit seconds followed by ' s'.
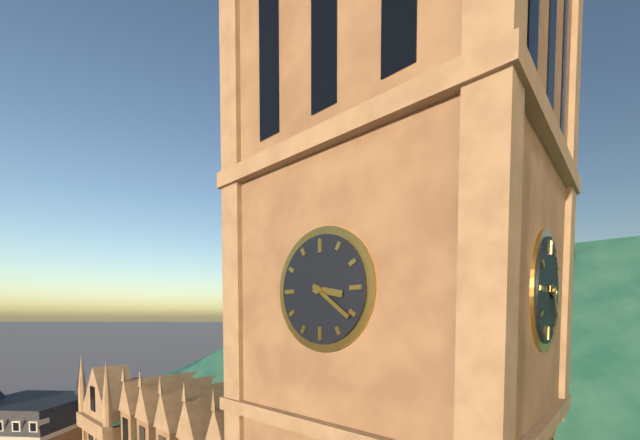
3 h 21 min
